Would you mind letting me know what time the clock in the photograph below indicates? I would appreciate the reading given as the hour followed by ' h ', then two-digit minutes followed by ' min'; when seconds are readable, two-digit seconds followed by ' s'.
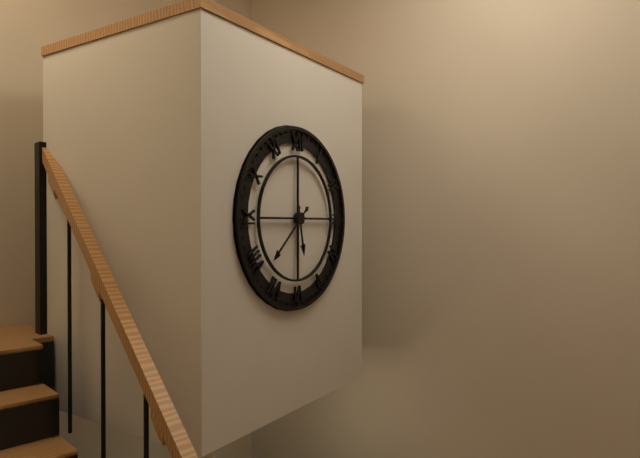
5 h 38 min
